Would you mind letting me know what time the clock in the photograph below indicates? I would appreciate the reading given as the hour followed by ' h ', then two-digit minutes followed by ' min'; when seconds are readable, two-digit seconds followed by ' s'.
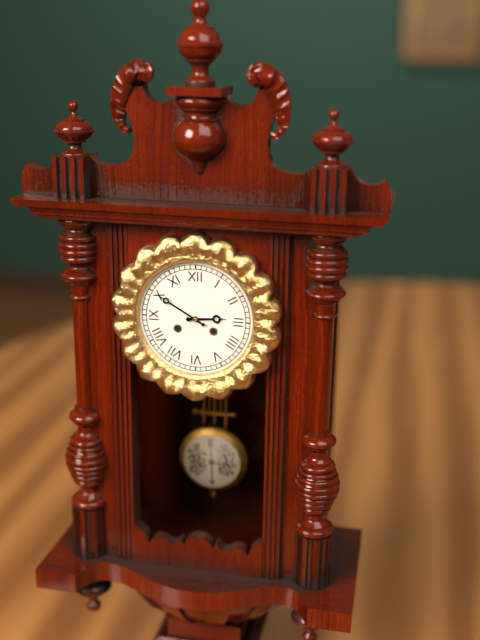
2 h 50 min
